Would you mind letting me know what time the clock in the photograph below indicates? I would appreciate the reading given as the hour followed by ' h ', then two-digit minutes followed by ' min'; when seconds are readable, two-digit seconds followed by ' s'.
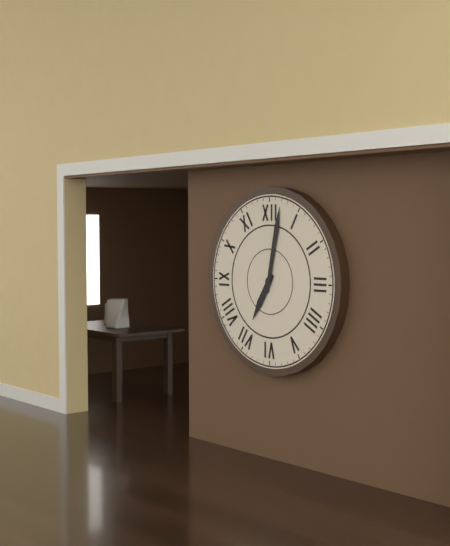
7 h 02 min
